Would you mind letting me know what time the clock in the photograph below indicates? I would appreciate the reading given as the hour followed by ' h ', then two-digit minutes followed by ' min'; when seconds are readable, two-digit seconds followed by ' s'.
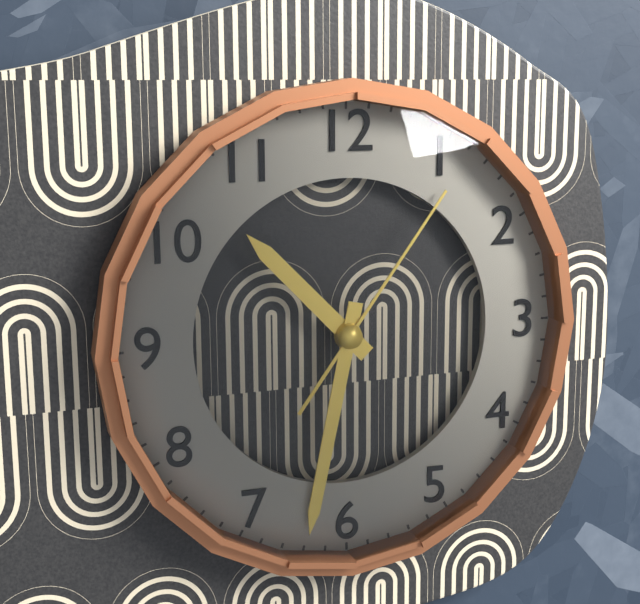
10 h 32 min 06 s
